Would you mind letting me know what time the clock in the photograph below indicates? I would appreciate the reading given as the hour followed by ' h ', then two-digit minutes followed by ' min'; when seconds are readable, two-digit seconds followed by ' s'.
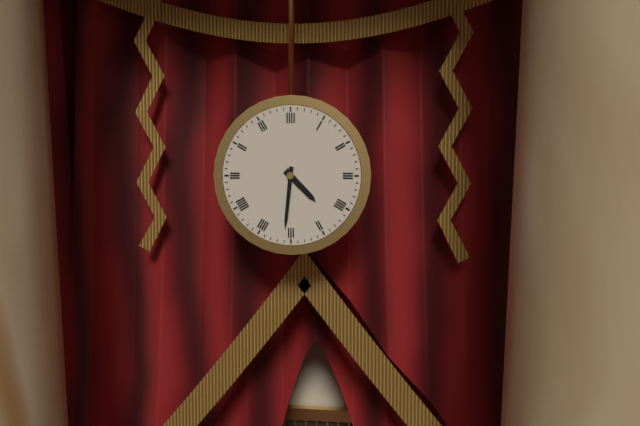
4 h 31 min
